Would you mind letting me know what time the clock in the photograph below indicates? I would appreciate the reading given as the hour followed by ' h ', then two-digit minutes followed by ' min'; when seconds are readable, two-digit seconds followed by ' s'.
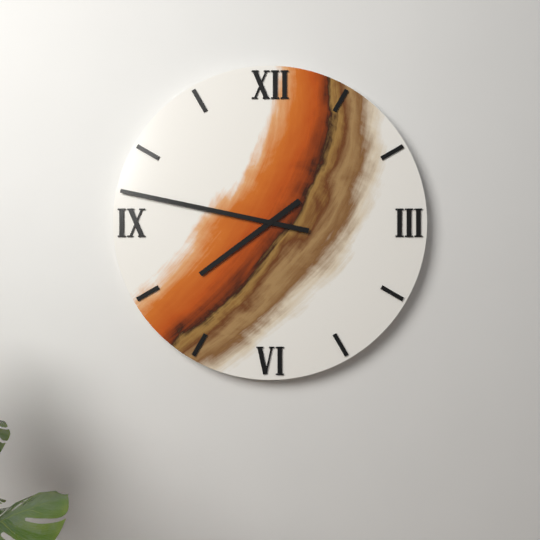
7 h 47 min
